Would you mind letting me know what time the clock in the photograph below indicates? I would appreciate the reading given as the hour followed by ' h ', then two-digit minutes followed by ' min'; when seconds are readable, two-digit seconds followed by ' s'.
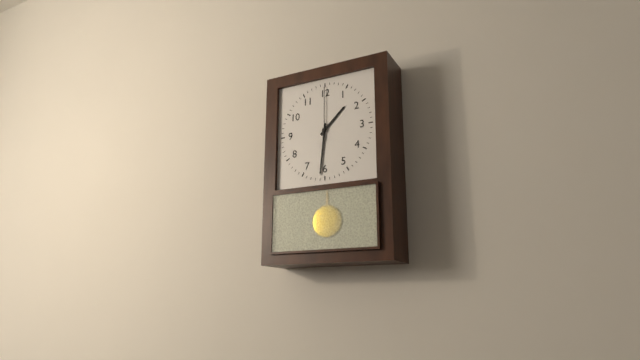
1 h 31 min 00 s
